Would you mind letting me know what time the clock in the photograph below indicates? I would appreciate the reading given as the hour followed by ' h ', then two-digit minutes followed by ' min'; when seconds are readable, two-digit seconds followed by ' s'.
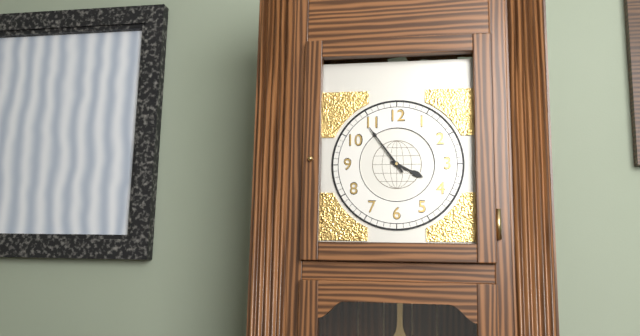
3 h 54 min
